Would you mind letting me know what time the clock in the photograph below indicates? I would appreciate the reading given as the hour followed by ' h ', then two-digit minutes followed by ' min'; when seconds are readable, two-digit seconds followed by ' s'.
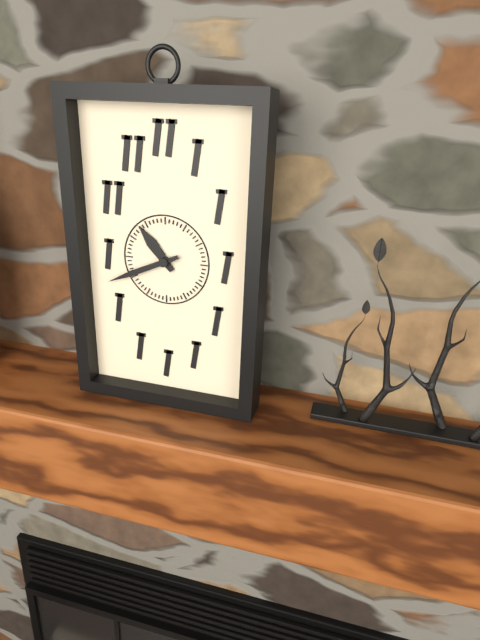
10 h 41 min
